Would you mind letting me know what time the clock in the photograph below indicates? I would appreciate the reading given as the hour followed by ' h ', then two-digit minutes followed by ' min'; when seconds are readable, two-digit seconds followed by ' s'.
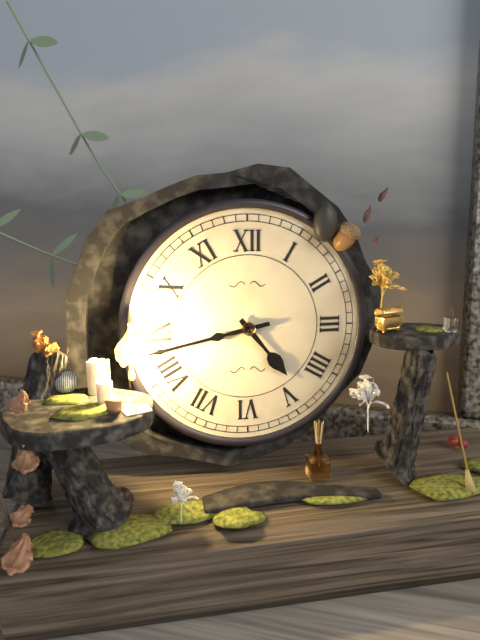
4 h 43 min
